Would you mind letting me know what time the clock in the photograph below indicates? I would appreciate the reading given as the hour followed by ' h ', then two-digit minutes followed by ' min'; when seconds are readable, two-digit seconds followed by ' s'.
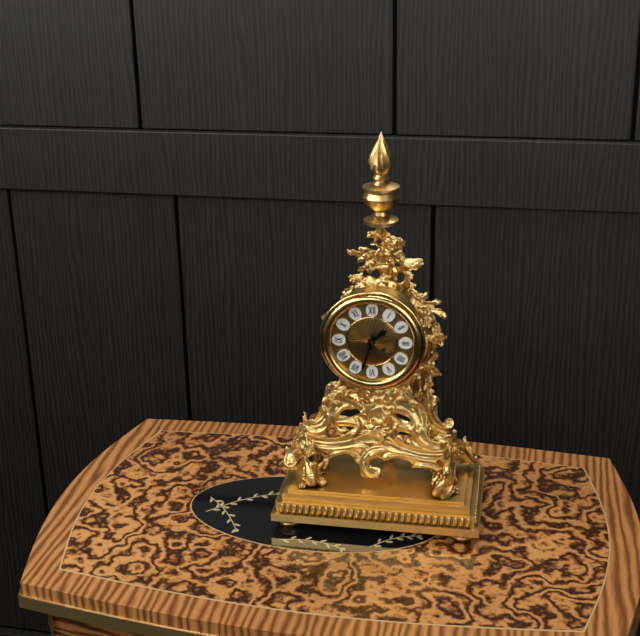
1 h 33 min
